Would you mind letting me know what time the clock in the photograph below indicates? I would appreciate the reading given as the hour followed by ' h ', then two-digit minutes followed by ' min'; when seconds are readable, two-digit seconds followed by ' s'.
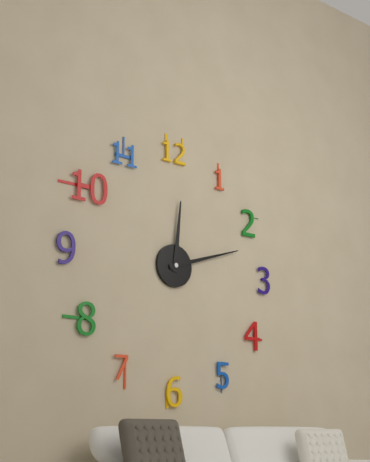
12 h 12 min
